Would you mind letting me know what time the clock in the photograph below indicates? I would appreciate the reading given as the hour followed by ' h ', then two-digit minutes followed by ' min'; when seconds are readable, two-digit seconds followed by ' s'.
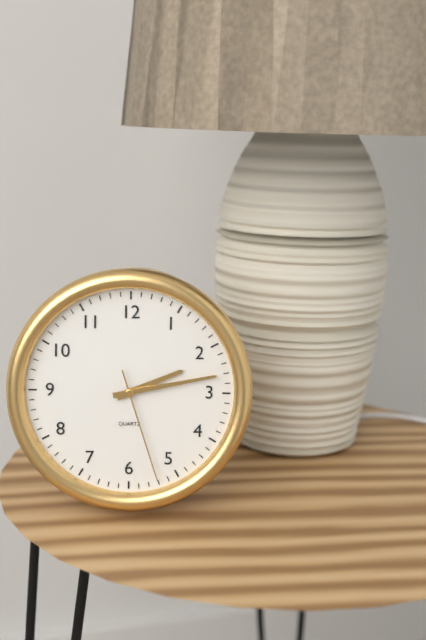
2 h 13 min 27 s
